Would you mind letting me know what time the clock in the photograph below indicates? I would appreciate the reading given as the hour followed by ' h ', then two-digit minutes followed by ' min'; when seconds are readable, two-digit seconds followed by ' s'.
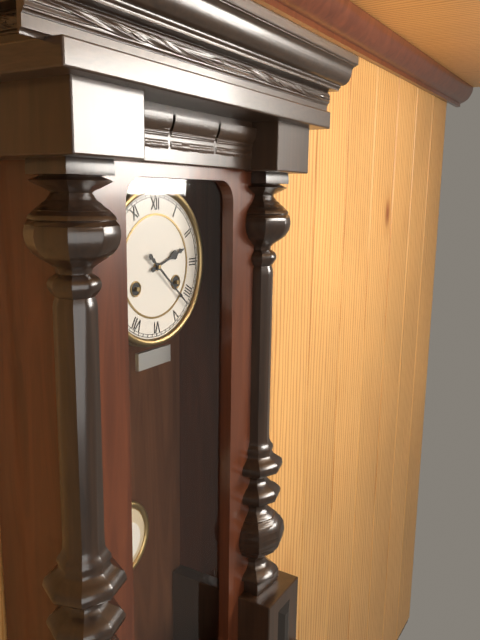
2 h 22 min
